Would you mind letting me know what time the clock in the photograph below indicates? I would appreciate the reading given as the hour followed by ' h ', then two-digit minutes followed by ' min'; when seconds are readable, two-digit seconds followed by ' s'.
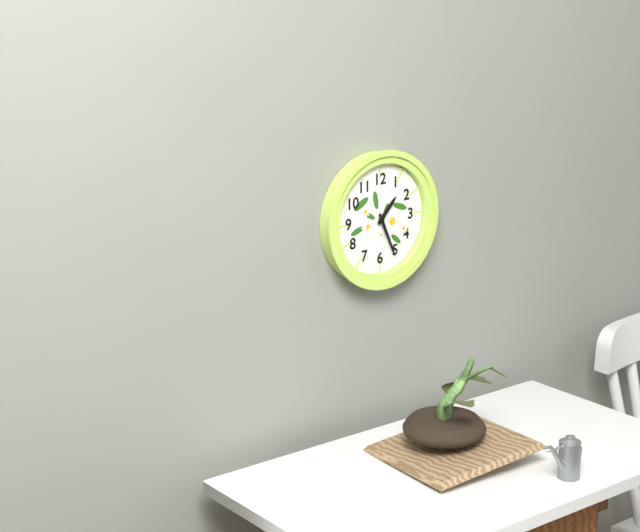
1 h 26 min
